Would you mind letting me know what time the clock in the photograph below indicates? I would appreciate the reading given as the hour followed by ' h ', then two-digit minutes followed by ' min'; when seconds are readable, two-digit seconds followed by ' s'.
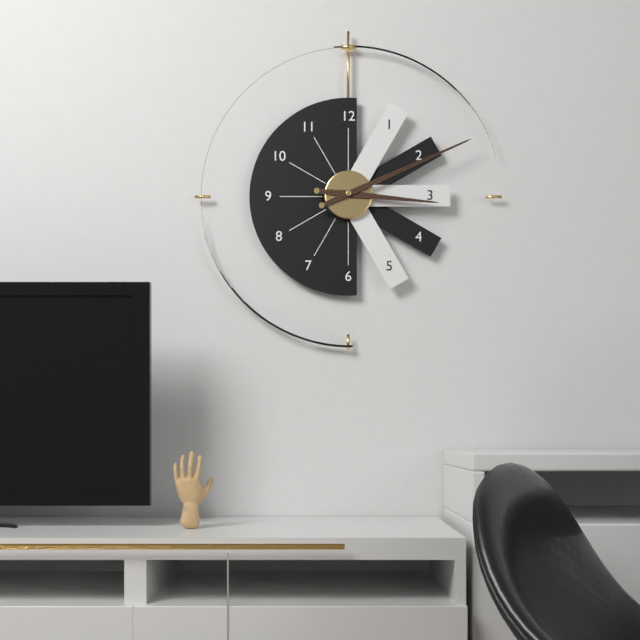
3 h 11 min
